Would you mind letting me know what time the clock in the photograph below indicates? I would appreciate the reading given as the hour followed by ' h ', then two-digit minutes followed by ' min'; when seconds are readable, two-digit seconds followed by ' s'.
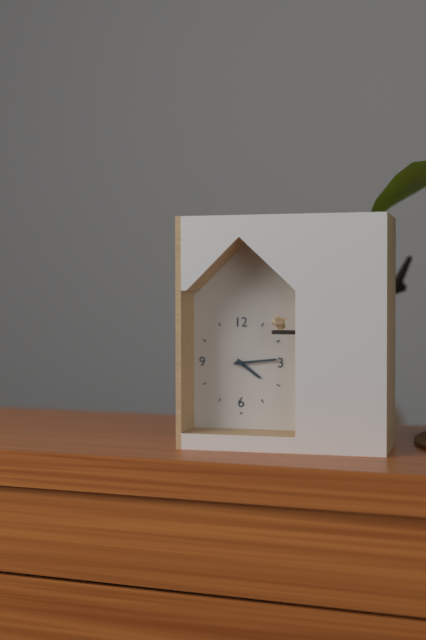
4 h 14 min
